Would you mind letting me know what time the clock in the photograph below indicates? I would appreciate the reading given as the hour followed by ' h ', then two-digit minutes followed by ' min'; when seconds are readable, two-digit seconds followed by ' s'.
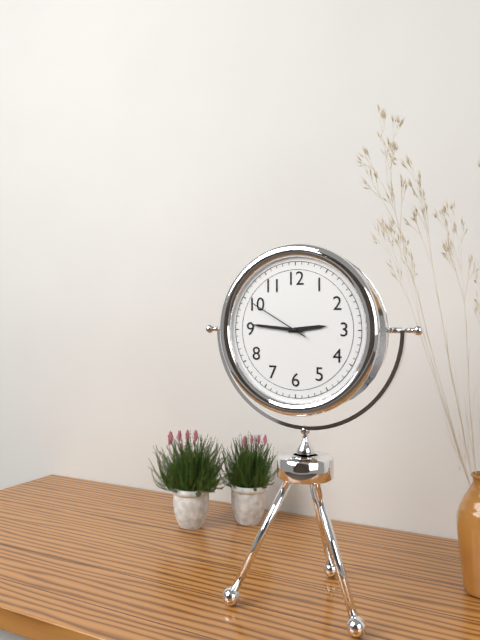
2 h 46 min 50 s
